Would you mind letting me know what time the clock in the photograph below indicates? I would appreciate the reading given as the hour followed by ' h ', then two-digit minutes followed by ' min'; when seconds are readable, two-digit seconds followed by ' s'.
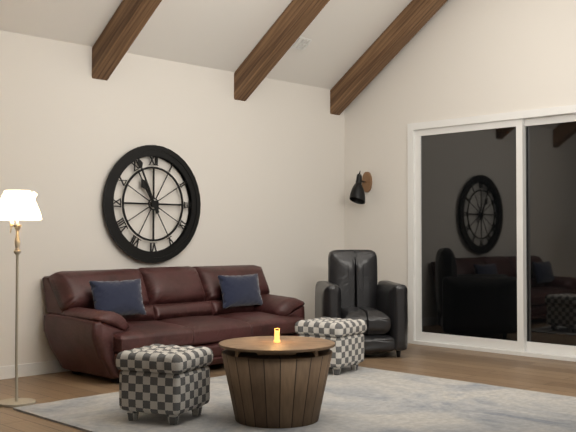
10 h 56 min
